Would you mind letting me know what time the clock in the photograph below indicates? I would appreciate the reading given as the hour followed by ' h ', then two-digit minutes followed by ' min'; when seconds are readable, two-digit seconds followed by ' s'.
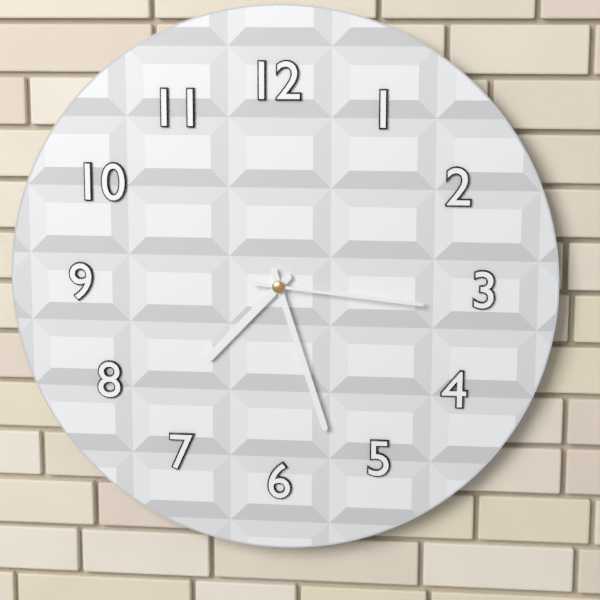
7 h 27 min 16 s
